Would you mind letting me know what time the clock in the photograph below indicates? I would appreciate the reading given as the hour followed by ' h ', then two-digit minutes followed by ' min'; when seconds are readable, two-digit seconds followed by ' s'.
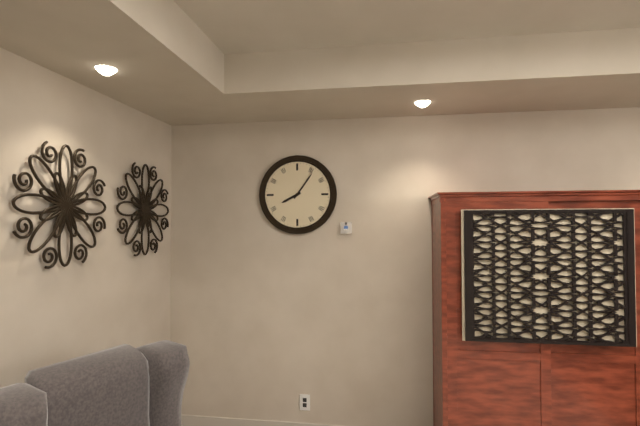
8 h 06 min
